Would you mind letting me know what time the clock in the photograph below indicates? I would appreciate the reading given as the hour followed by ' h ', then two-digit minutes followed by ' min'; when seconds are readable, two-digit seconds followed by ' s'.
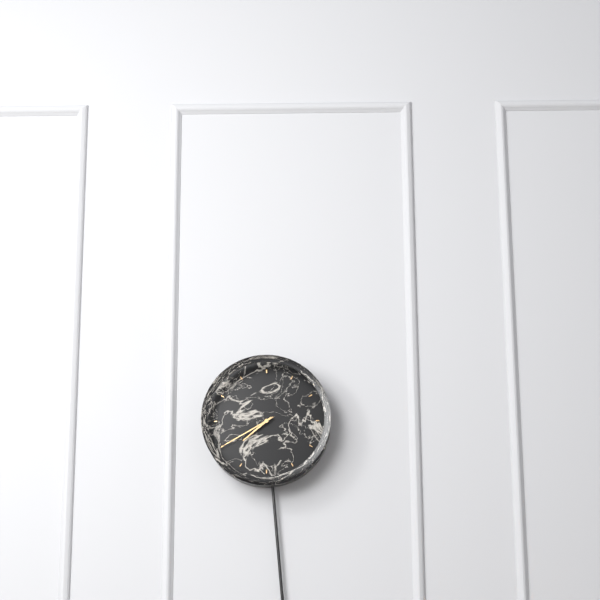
7 h 40 min
